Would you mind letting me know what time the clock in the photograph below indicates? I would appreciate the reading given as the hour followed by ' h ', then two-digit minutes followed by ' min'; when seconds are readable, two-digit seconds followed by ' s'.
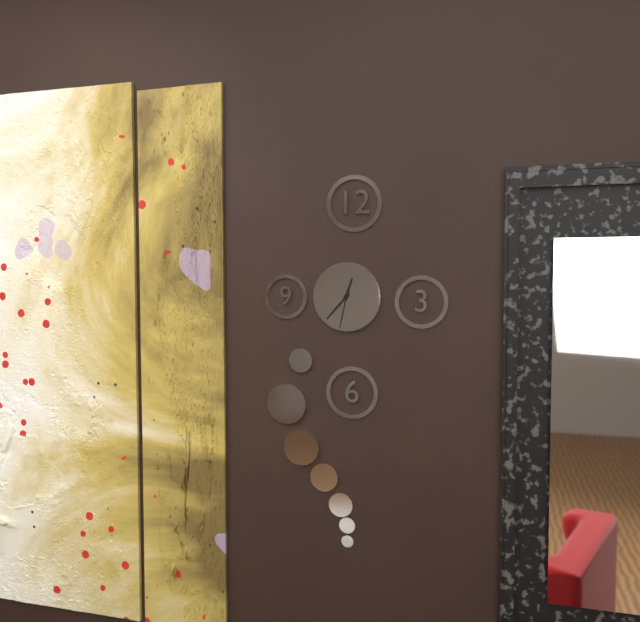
12 h 37 min
